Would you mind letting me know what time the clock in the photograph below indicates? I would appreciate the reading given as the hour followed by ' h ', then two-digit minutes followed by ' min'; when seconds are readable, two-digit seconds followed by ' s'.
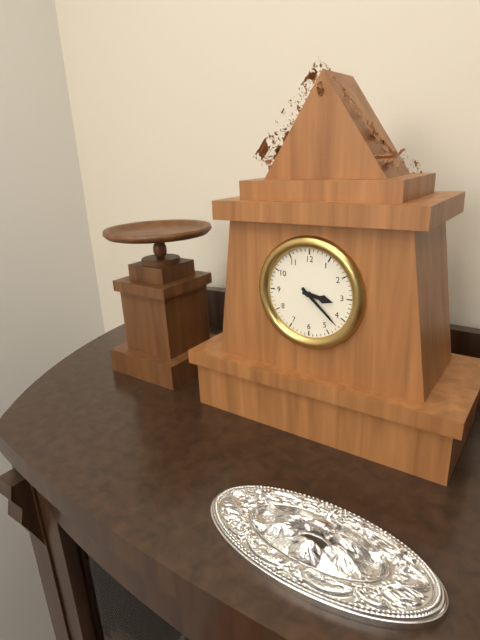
3 h 22 min
